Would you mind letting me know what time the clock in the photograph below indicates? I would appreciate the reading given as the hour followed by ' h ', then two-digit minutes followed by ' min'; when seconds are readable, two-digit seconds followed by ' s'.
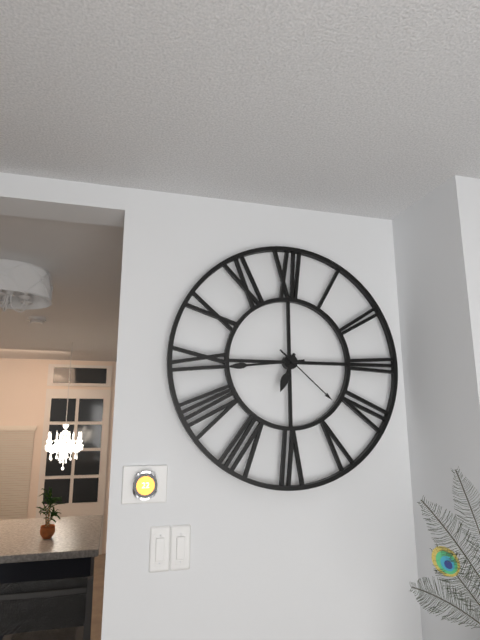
6 h 44 min 22 s
